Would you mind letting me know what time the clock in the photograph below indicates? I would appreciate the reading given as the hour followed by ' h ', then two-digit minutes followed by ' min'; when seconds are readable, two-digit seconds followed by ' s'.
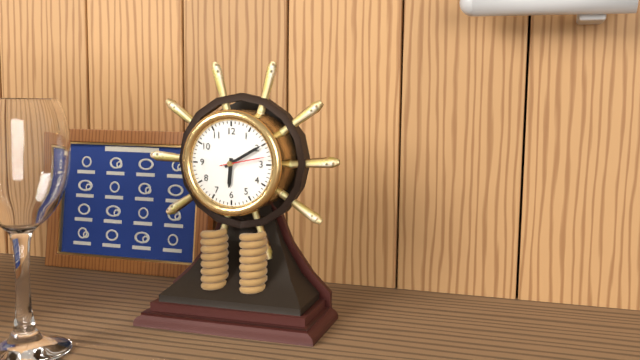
6 h 10 min
